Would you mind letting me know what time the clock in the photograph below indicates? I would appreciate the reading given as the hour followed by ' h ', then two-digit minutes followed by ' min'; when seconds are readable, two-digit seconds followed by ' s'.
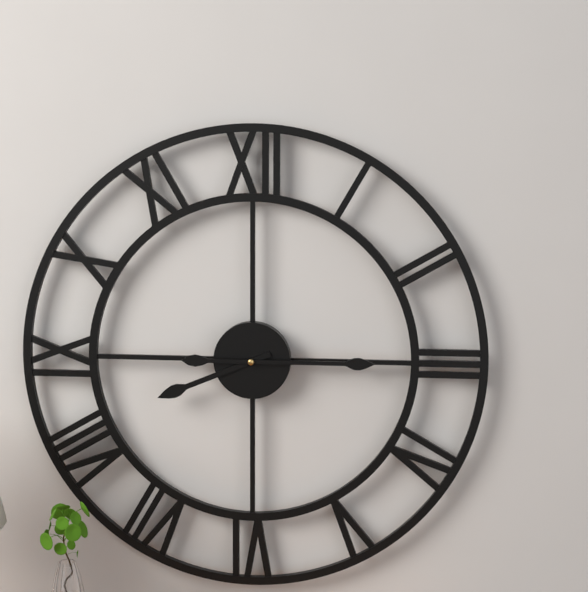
8 h 15 min
